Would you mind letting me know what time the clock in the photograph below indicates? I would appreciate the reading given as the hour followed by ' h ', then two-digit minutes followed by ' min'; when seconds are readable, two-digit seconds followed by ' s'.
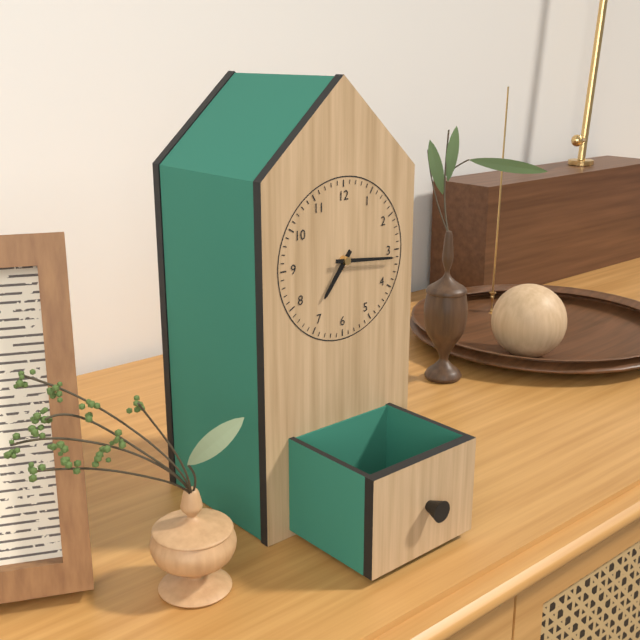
7 h 16 min
